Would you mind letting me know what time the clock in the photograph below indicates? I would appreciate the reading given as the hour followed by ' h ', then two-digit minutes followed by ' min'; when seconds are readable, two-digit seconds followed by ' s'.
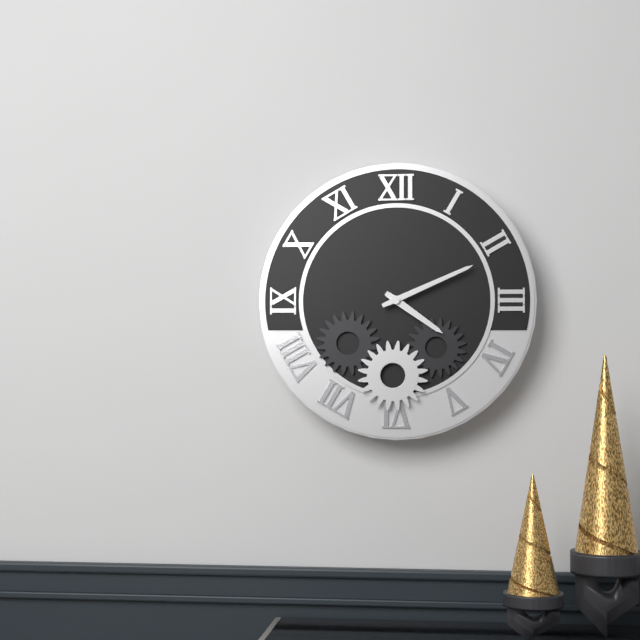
4 h 11 min
